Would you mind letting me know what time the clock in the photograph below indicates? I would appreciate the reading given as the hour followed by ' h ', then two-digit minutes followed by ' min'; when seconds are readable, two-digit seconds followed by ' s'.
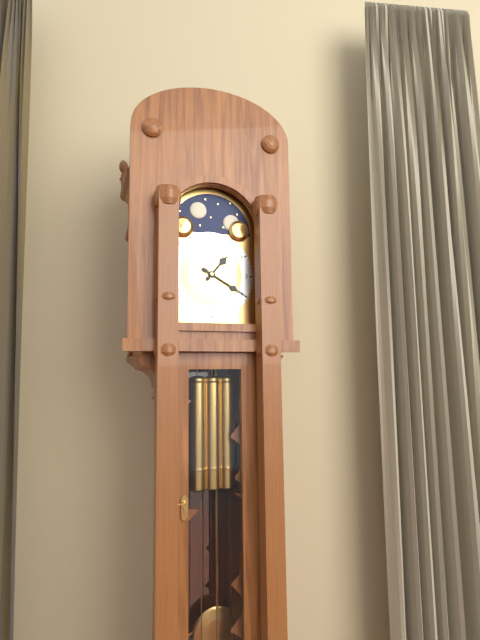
1 h 20 min
